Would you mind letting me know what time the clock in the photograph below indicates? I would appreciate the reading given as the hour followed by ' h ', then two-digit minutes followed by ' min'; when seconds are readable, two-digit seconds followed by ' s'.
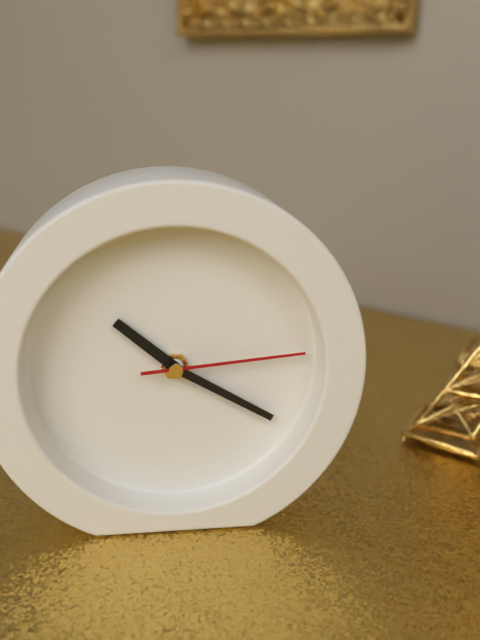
10 h 20 min 14 s
